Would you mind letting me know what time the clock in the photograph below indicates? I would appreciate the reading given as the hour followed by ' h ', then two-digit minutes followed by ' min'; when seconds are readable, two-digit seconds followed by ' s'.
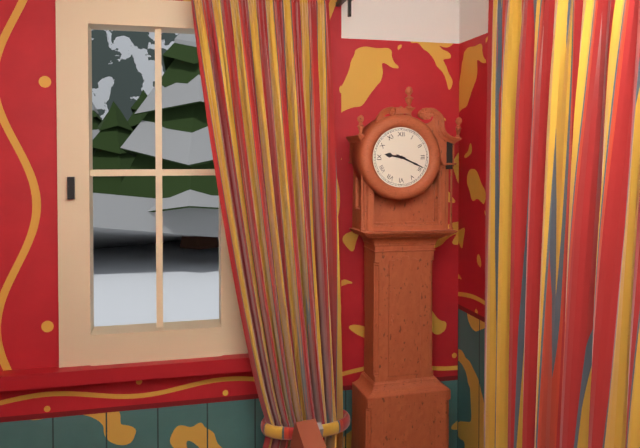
9 h 19 min
